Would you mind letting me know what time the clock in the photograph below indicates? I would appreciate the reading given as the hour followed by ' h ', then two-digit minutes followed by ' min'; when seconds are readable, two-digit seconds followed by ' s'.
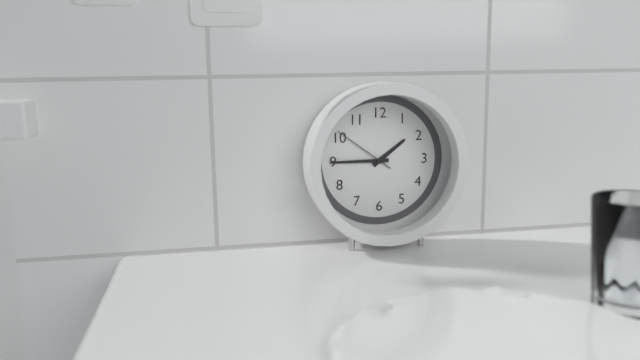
1 h 45 min 51 s
